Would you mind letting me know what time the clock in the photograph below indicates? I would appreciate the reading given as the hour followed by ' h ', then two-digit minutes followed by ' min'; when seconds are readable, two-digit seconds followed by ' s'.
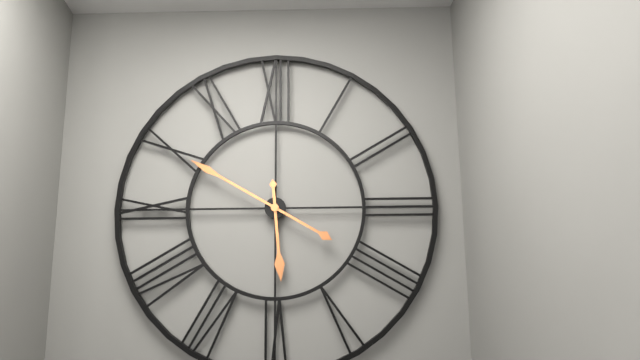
5 h 50 min
